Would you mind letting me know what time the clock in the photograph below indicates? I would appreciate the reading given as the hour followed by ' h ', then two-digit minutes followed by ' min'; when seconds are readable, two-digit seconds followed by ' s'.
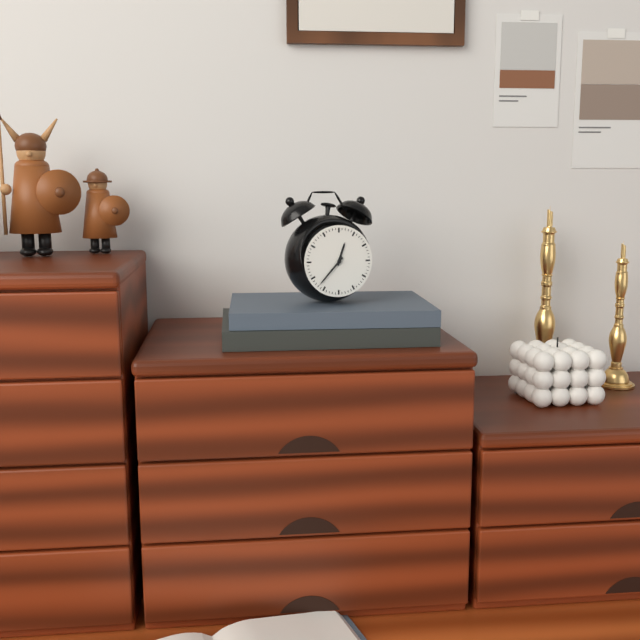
12 h 37 min
